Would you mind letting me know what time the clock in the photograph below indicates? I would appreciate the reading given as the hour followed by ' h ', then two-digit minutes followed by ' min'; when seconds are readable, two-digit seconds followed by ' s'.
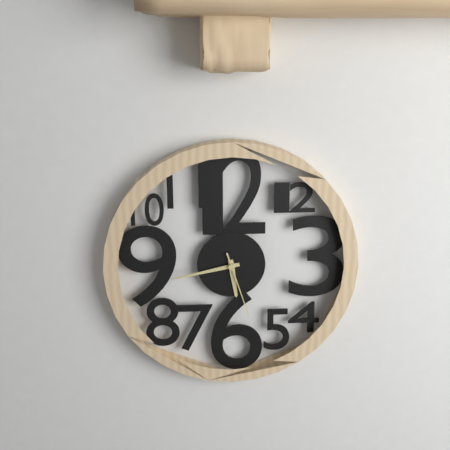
5 h 43 min 27 s
